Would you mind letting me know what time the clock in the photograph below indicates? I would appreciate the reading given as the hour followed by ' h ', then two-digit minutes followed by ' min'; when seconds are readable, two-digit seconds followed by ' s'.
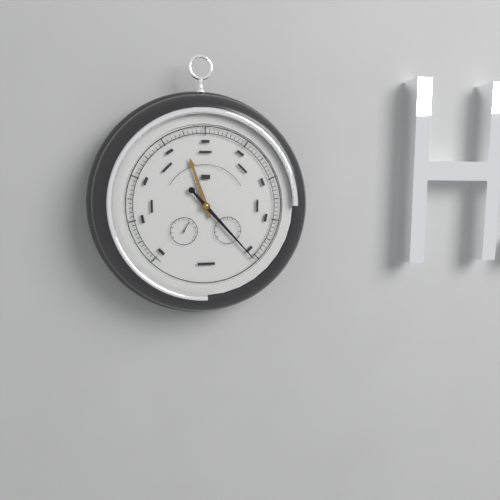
11 h 23 min
